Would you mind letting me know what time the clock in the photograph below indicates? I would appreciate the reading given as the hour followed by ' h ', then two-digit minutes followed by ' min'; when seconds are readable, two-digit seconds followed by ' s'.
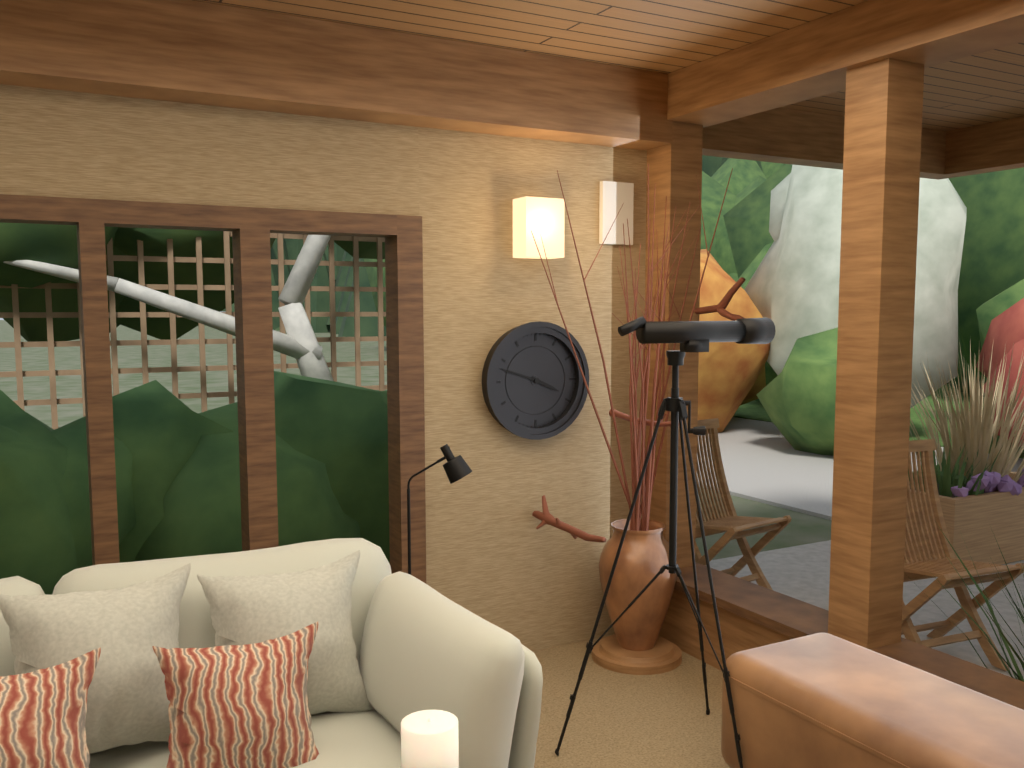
3 h 48 min
